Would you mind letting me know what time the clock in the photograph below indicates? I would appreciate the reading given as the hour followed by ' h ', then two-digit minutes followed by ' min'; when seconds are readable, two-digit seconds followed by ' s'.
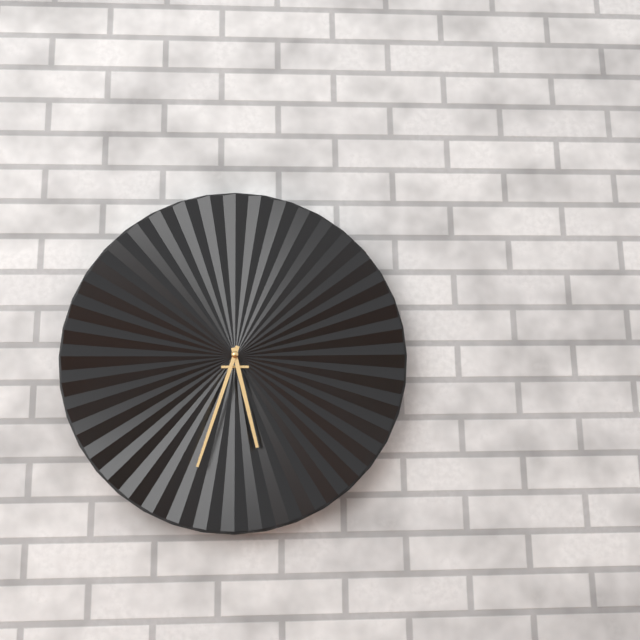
5 h 33 min
